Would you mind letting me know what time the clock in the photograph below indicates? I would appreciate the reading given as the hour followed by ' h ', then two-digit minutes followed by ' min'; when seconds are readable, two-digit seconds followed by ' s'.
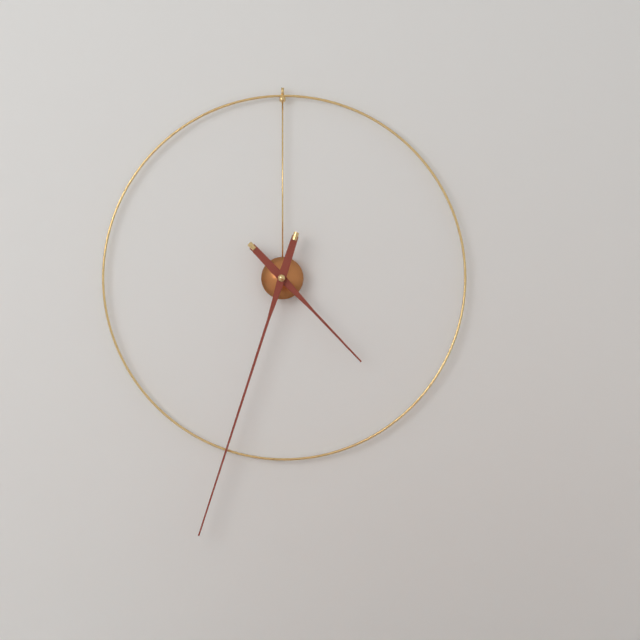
4 h 33 min
